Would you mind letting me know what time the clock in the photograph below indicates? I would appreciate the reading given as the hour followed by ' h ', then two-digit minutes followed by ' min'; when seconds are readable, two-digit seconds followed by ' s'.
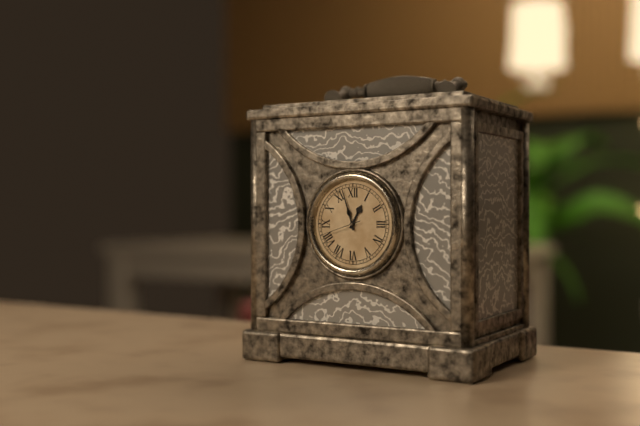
12 h 57 min
